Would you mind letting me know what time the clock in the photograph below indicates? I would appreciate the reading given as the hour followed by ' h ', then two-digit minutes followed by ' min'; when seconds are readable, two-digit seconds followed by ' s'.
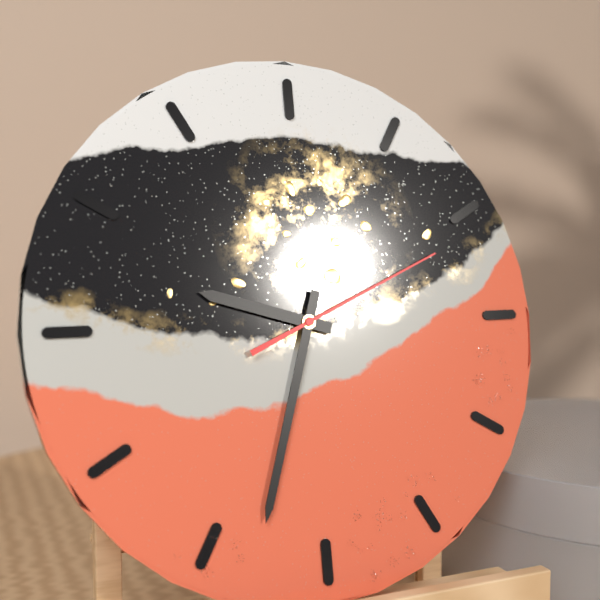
9 h 33 min 11 s
